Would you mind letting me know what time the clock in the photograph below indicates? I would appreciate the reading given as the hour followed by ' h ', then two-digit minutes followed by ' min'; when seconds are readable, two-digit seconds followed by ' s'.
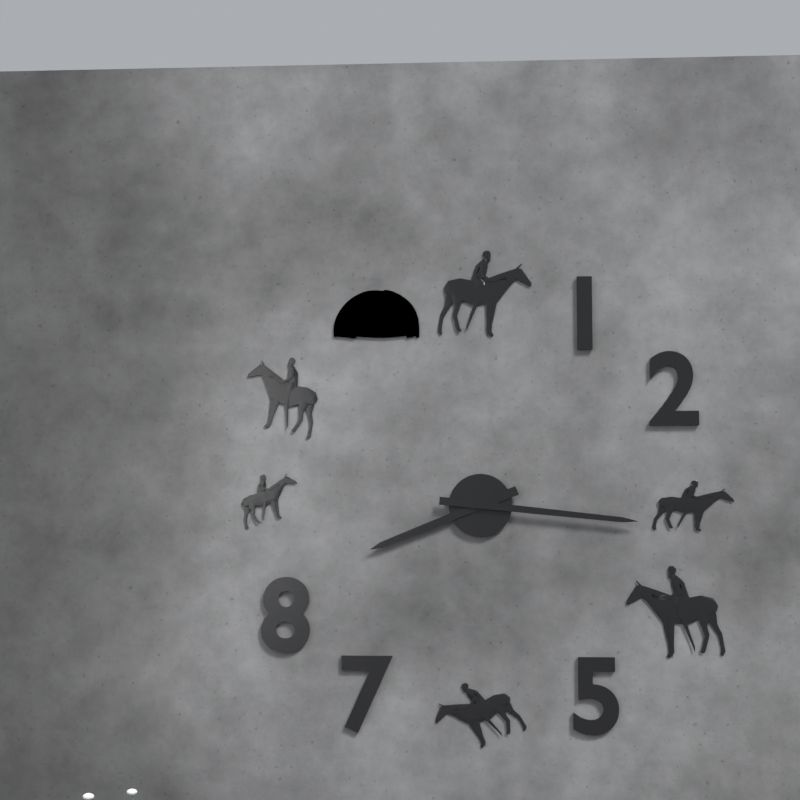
8 h 16 min
